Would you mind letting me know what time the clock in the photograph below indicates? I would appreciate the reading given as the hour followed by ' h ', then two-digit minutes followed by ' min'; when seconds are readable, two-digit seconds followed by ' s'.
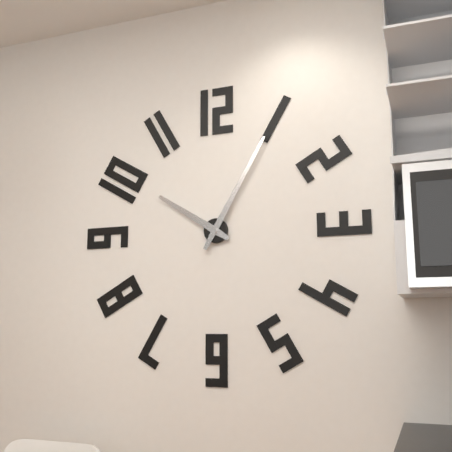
10 h 05 min
